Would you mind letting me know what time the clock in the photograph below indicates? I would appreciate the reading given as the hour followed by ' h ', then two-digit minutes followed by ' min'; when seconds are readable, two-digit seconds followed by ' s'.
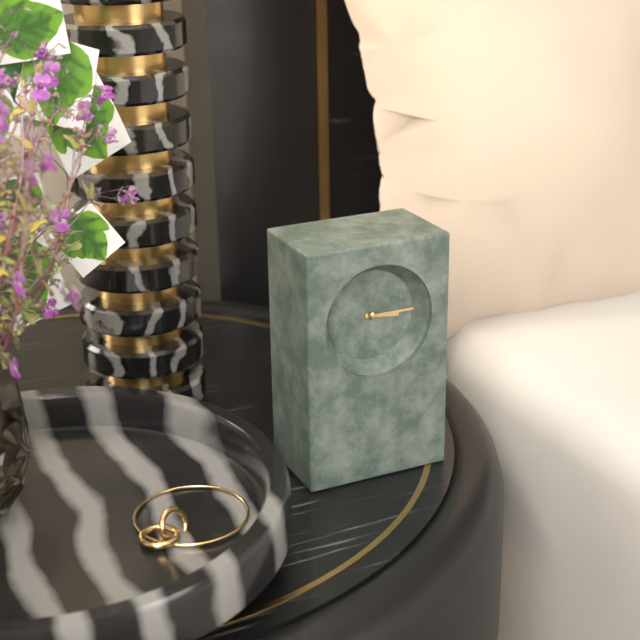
3 h 15 min
